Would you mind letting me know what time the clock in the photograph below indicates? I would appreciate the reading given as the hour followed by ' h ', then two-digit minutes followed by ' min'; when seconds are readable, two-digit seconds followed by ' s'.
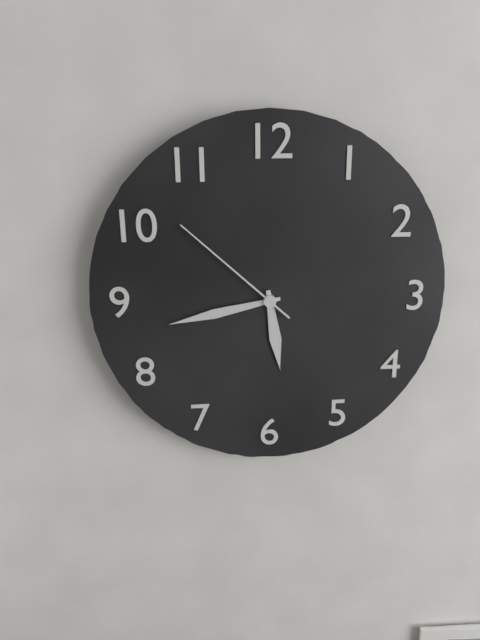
5 h 43 min 52 s
